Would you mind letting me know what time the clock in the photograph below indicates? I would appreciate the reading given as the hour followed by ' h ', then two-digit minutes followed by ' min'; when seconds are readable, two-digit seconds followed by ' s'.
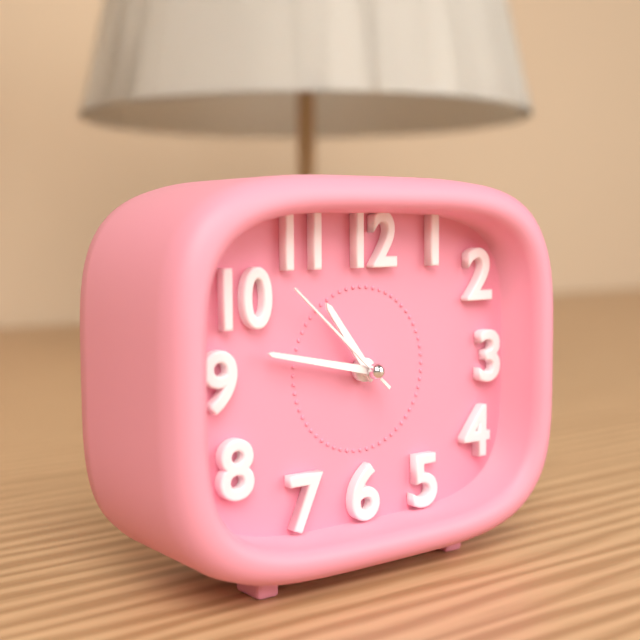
10 h 47 min 52 s
